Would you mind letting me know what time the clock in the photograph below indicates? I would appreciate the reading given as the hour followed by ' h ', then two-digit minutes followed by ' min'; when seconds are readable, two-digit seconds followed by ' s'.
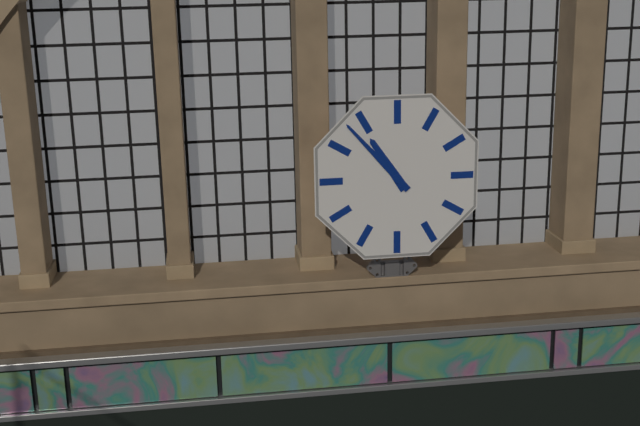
10 h 53 min
